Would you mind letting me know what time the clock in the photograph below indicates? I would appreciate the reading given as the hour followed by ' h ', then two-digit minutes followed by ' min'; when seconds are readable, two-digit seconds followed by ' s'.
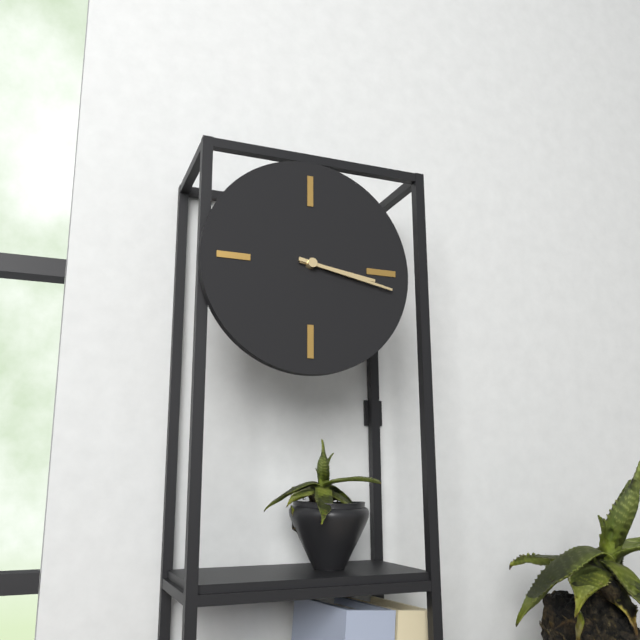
3 h 17 min
